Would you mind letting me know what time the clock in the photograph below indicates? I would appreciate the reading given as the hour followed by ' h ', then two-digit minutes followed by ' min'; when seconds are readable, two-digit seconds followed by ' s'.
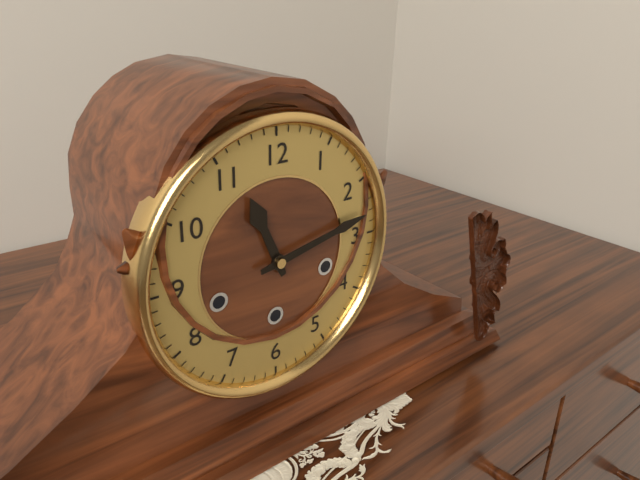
11 h 13 min
